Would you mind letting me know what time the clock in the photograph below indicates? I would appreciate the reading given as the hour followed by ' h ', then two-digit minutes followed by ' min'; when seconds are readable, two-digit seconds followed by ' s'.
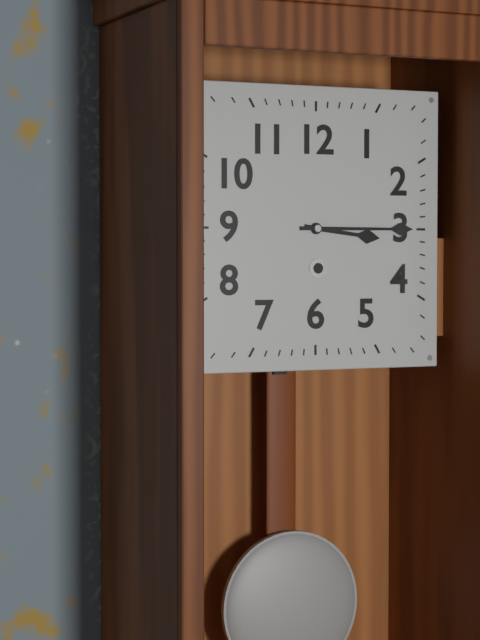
3 h 15 min
